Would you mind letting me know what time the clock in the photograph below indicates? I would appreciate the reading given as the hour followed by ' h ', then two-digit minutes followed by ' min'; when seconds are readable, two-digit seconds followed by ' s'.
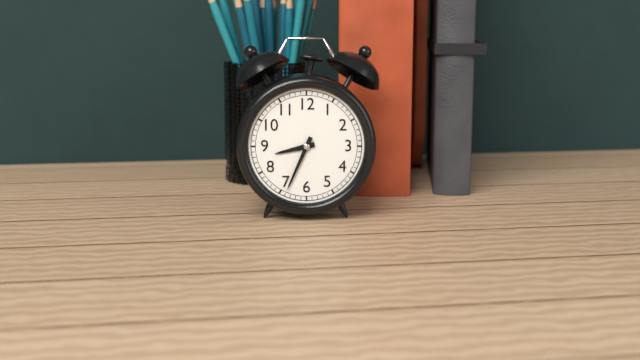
8 h 34 min
